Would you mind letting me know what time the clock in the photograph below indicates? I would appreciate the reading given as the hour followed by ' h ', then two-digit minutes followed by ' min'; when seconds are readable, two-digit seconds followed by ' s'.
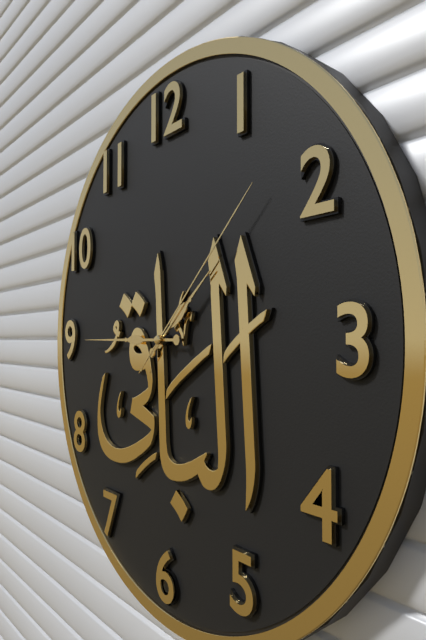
1 h 45 min 08 s
